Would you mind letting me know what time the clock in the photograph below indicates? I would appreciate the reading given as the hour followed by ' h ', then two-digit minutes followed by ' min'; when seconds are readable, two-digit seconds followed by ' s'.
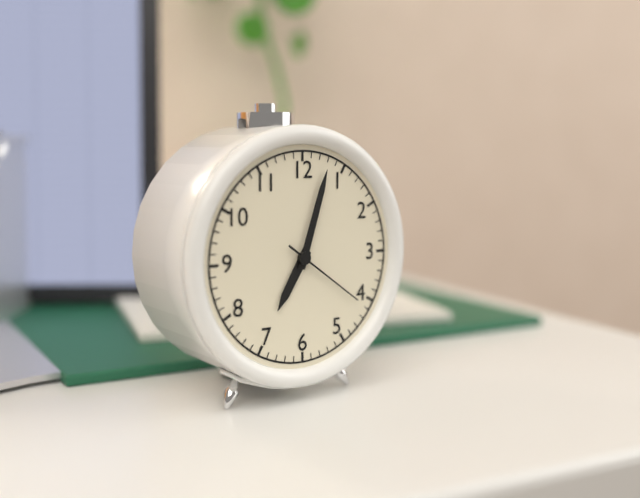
7 h 03 min 21 s
